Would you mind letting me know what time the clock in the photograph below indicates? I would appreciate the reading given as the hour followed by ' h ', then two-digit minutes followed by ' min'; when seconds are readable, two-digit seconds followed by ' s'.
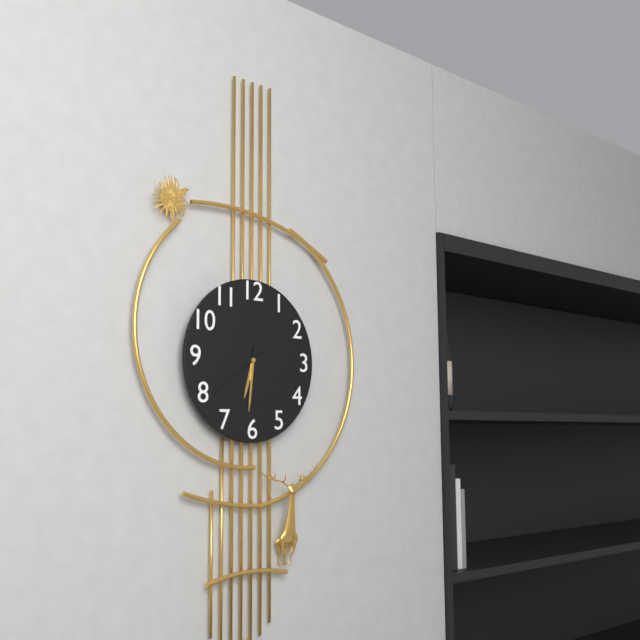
6 h 31 min 39 s
